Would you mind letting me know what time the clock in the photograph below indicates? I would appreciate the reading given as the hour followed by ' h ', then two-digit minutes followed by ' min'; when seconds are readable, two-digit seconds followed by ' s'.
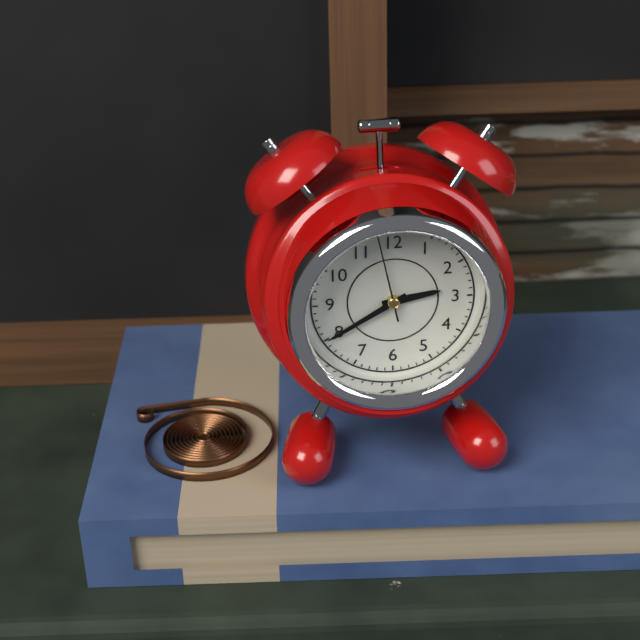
2 h 40 min 58 s
